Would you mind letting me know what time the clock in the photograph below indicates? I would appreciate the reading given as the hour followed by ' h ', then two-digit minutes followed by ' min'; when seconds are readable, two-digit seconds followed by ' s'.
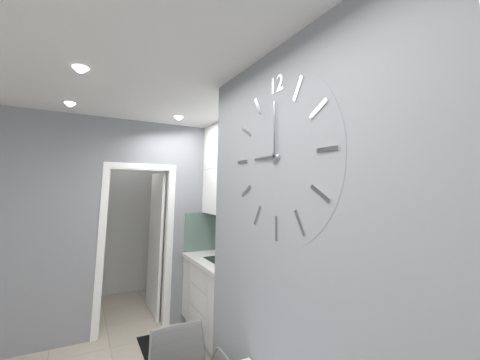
9 h 00 min
